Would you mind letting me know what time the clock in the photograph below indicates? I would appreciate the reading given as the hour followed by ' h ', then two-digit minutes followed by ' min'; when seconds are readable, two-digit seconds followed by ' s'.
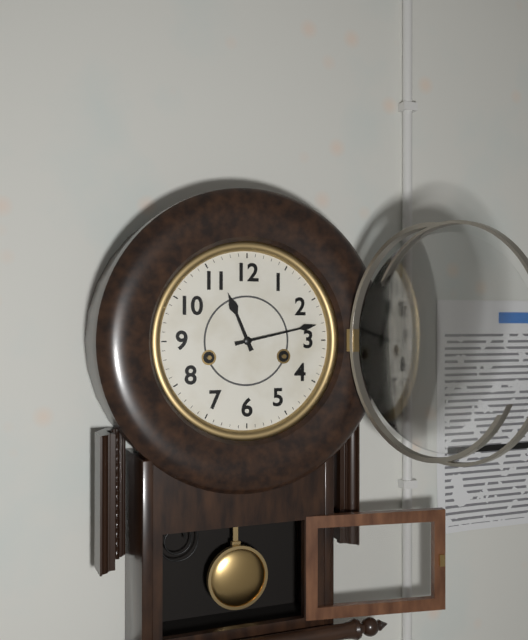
11 h 13 min
